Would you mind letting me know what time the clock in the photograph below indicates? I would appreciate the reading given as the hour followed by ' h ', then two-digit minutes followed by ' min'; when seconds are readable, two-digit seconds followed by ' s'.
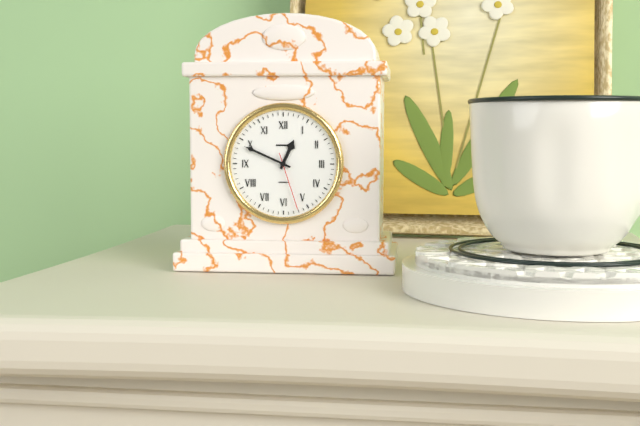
12 h 49 min 27 s
